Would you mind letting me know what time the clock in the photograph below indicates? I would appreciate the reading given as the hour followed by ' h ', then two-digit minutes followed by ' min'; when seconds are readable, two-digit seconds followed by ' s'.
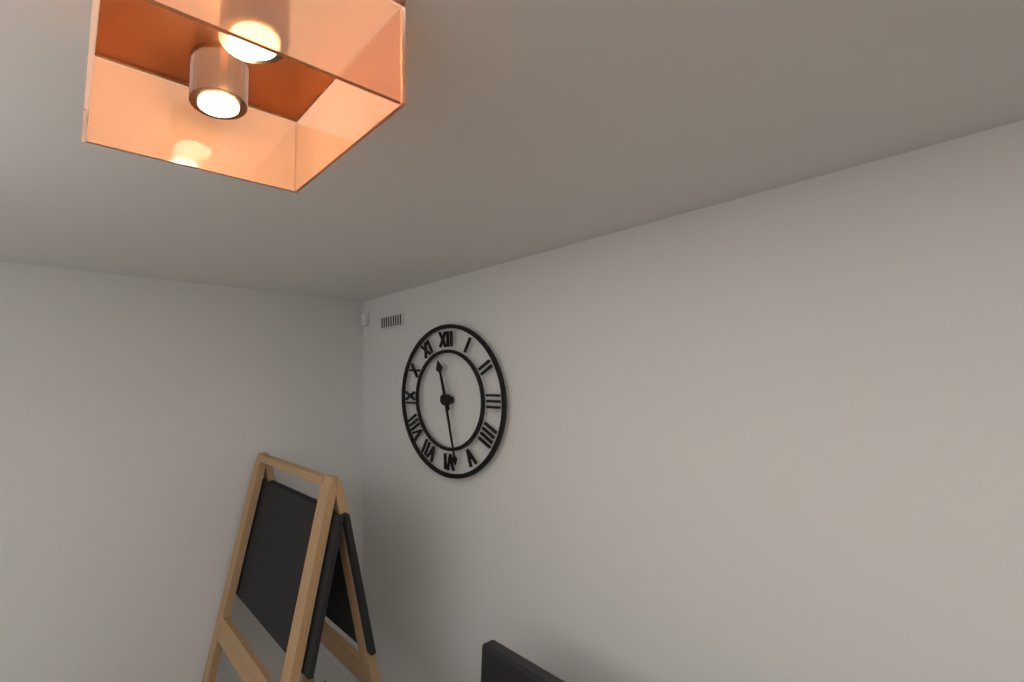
11 h 28 min
